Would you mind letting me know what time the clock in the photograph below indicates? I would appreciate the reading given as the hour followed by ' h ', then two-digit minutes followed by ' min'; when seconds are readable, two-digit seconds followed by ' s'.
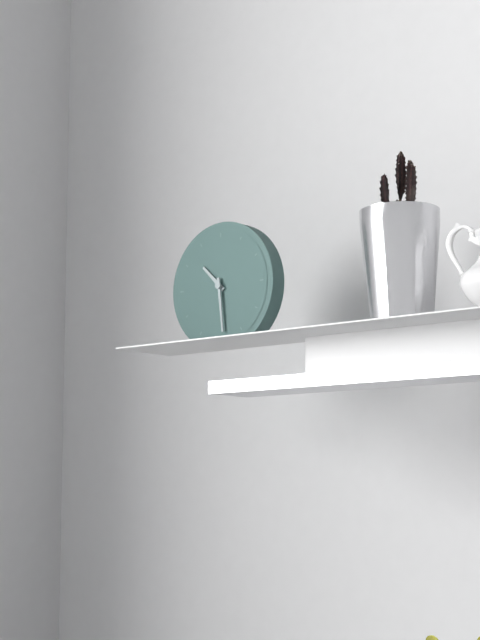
10 h 29 min
